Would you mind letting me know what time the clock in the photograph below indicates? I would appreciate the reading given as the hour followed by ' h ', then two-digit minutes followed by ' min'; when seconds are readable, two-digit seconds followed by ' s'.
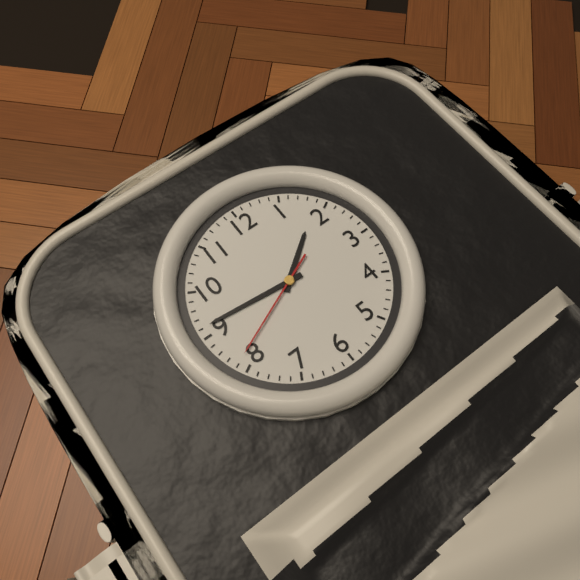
1 h 46 min 41 s
